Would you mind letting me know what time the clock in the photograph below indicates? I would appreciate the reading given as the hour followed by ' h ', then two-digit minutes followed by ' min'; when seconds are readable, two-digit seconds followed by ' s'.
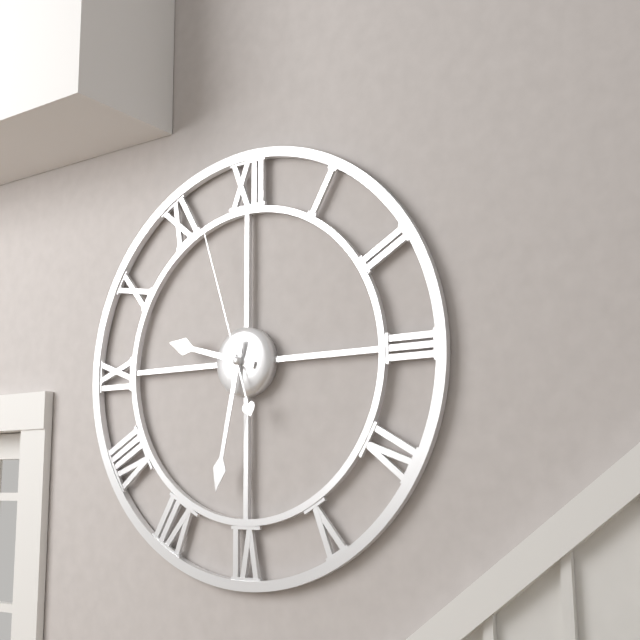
9 h 32 min 57 s
